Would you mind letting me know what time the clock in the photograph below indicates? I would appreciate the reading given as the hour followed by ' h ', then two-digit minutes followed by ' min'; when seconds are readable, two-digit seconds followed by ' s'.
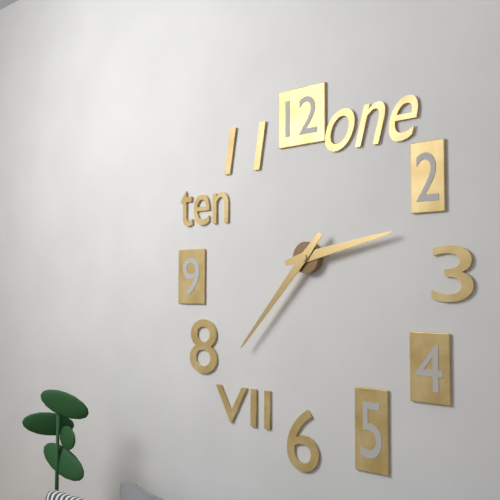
2 h 37 min
